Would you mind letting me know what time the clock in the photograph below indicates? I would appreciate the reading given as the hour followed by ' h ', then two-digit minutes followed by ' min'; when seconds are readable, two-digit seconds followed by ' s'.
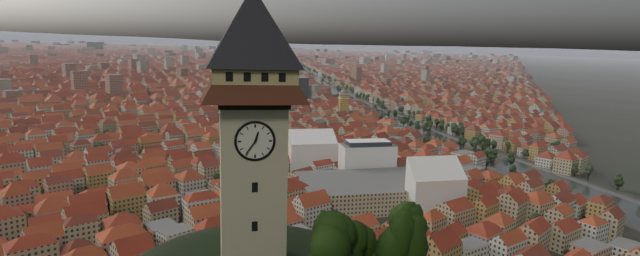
12 h 36 min
